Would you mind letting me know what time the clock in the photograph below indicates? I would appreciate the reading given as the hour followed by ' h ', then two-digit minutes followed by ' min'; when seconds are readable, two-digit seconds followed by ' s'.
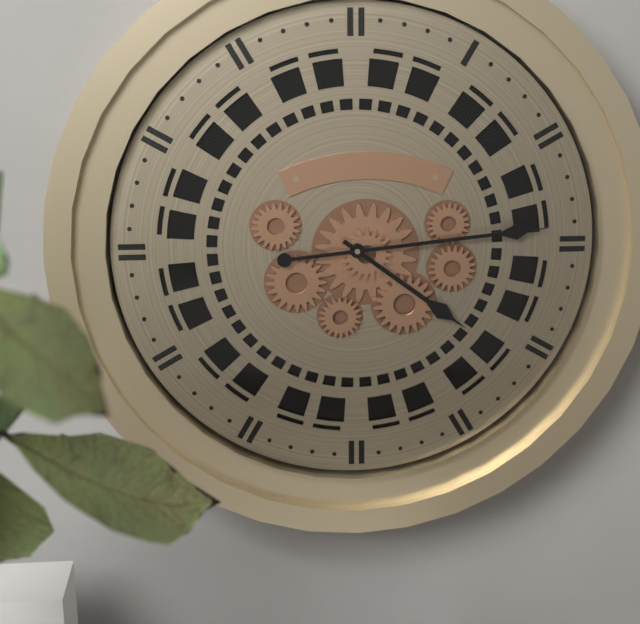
4 h 14 min
